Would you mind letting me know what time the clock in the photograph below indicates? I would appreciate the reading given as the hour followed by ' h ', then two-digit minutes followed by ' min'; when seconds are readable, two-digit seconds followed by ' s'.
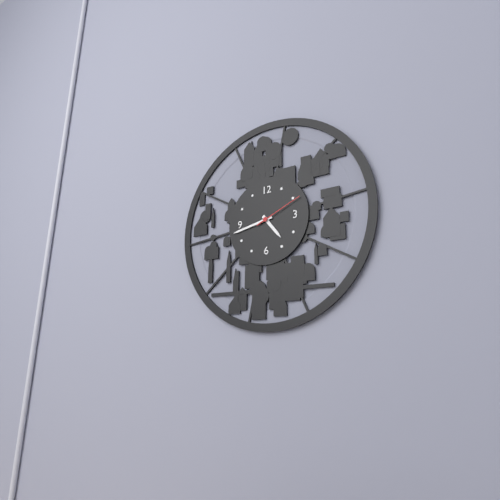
4 h 43 min
